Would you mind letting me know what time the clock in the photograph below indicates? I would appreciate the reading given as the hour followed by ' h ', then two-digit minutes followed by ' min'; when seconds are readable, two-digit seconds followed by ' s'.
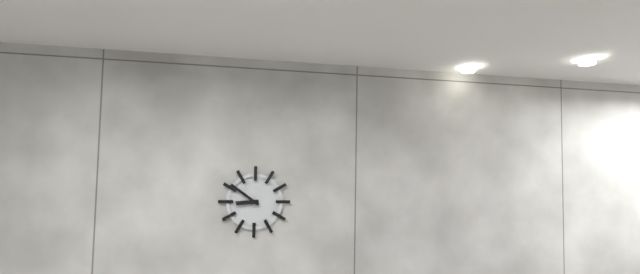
8 h 51 min
